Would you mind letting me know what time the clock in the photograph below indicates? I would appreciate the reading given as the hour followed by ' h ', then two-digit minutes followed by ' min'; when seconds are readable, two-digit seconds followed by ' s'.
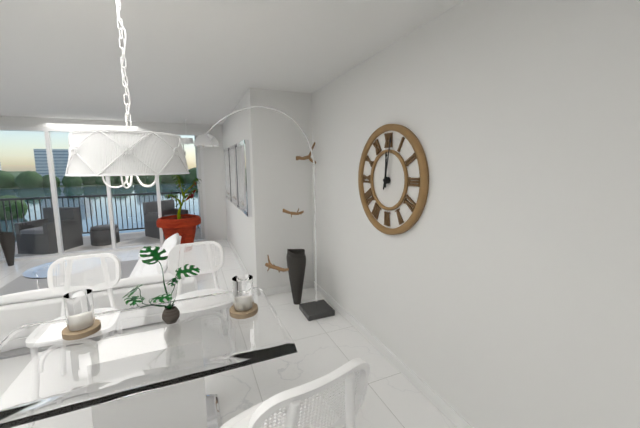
12 h 02 min
